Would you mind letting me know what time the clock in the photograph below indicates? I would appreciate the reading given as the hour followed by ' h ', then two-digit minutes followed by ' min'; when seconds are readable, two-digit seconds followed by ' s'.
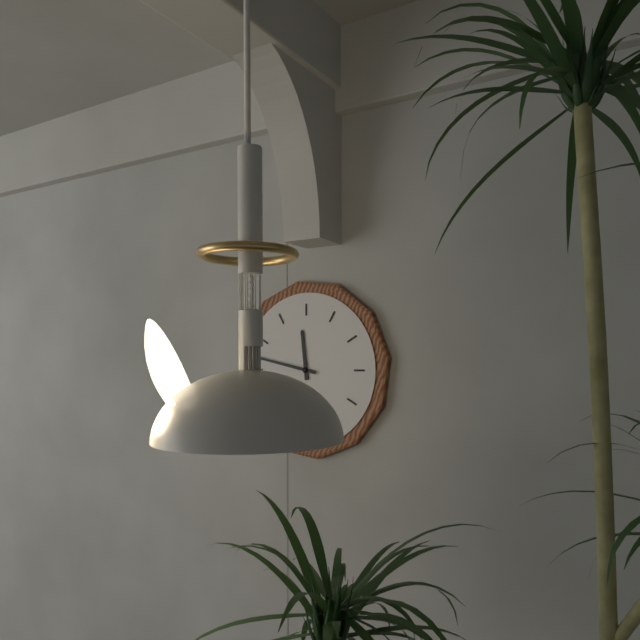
11 h 47 min
